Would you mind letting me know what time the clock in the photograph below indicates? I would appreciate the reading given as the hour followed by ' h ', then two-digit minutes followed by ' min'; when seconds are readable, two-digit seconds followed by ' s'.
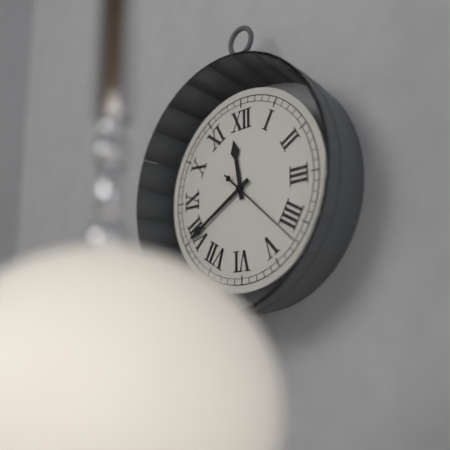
11 h 40 min 22 s
